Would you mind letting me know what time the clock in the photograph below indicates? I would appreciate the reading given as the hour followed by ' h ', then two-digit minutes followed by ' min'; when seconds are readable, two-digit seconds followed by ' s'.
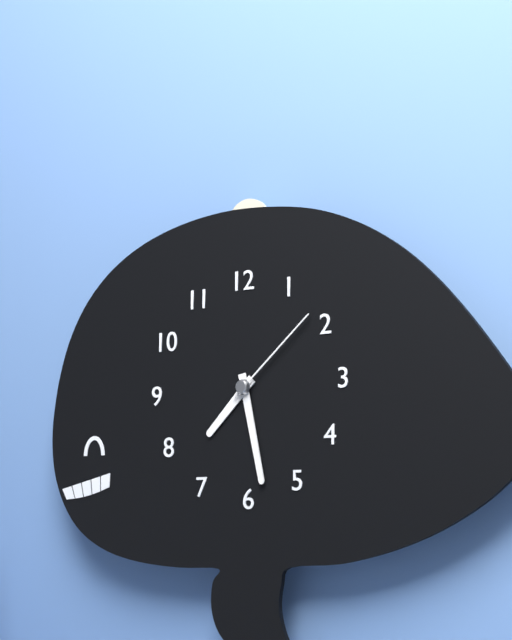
7 h 28 min 08 s
